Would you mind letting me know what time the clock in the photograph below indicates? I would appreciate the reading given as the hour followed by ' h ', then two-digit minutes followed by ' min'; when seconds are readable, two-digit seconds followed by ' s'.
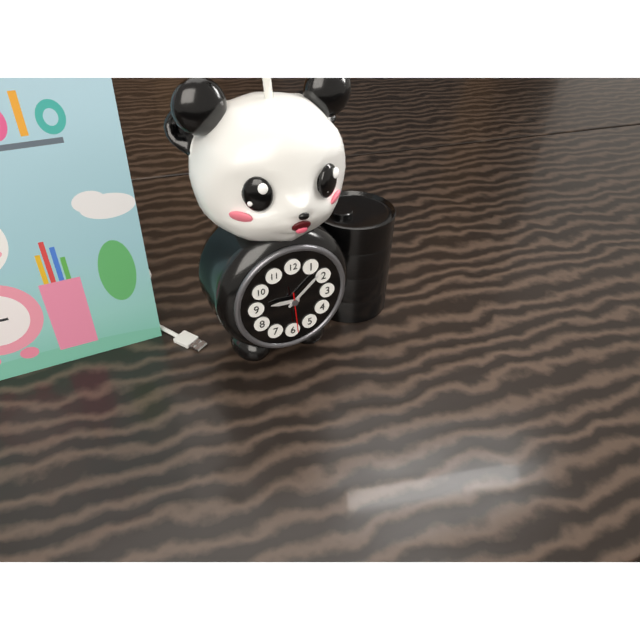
9 h 08 min
